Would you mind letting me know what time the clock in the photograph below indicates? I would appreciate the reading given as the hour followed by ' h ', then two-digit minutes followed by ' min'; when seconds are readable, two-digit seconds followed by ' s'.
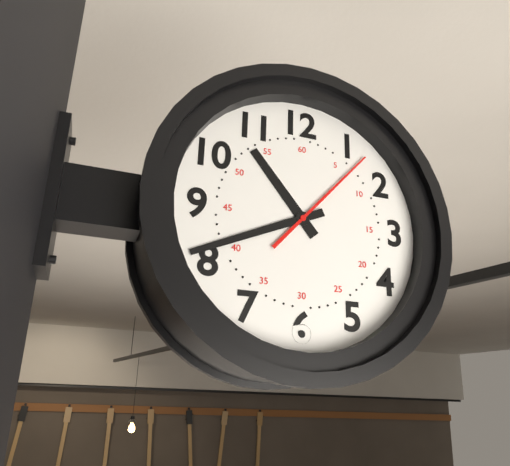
10 h 41 min 07 s
